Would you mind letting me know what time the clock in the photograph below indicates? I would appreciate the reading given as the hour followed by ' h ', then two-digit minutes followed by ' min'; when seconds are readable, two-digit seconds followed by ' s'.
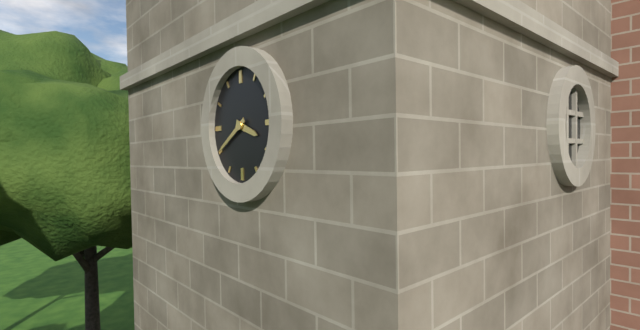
3 h 40 min
